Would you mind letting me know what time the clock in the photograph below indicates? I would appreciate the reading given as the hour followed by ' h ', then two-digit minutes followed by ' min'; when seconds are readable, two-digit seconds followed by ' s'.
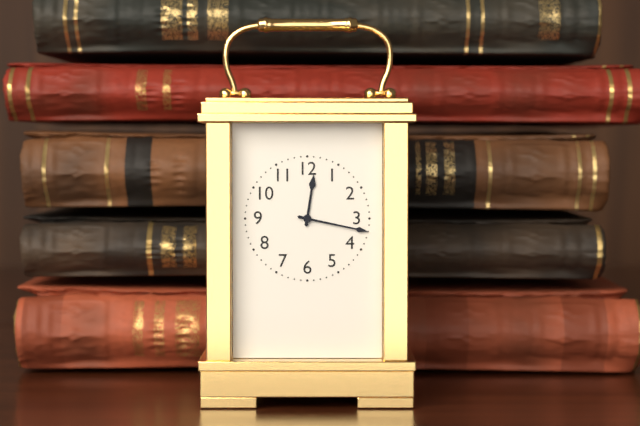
12 h 17 min
